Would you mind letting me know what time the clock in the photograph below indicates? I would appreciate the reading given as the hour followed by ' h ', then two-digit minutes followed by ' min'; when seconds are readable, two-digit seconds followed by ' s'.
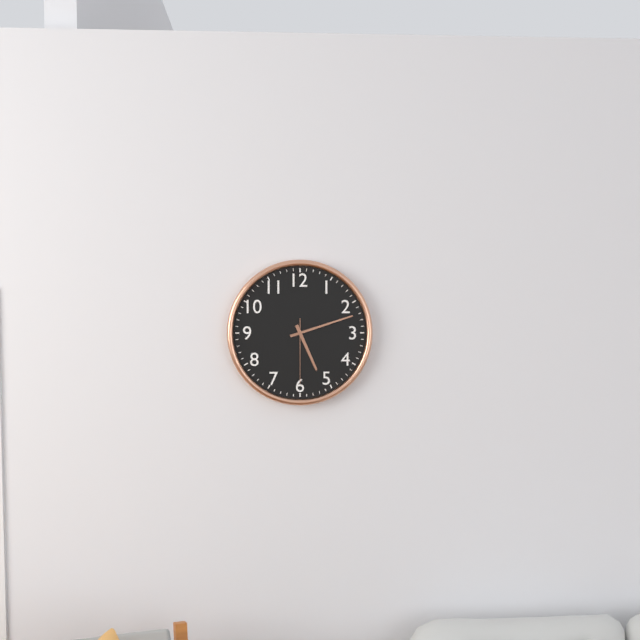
5 h 12 min 30 s
